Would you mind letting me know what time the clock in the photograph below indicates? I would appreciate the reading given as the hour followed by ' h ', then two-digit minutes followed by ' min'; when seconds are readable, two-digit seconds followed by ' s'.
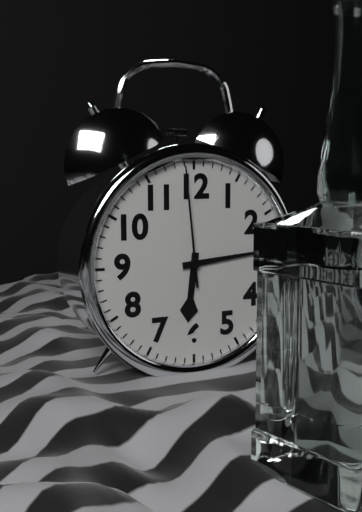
6 h 14 min 59 s
